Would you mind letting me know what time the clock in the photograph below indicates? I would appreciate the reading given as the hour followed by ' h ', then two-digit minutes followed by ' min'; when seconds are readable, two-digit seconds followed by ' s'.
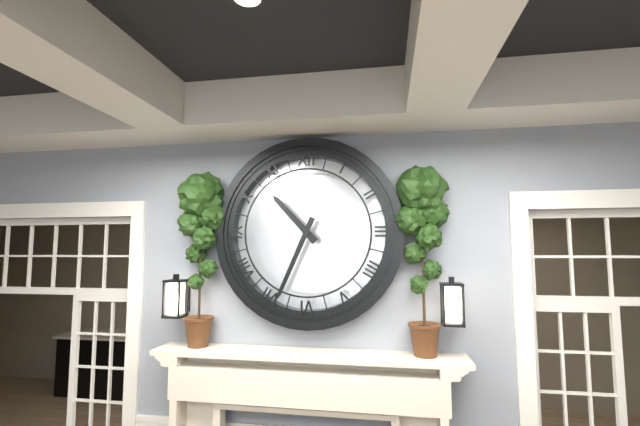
10 h 34 min
